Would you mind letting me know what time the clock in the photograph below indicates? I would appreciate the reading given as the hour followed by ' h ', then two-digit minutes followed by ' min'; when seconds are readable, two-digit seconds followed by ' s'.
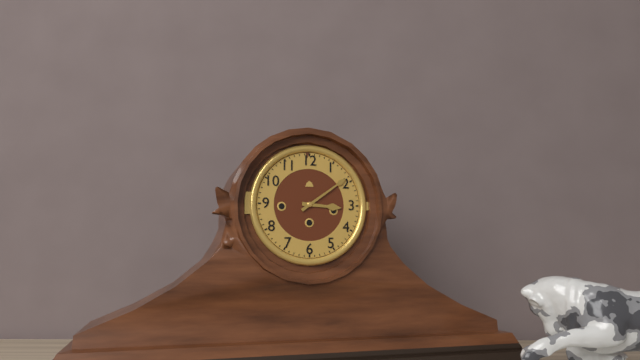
3 h 09 min
